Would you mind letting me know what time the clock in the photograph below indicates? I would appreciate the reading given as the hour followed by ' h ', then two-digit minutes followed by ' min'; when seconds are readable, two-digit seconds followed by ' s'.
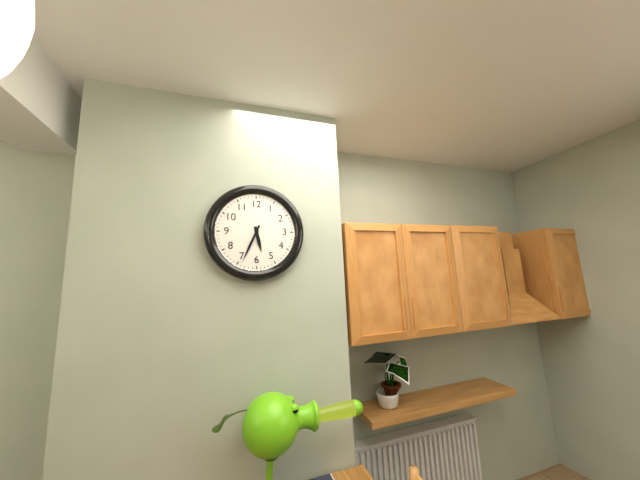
5 h 34 min
